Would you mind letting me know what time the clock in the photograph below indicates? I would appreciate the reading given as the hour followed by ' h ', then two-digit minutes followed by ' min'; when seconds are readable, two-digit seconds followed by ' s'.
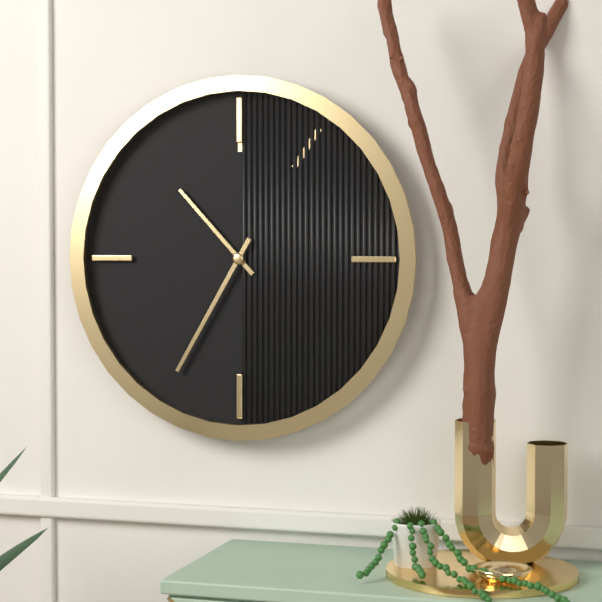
10 h 35 min
